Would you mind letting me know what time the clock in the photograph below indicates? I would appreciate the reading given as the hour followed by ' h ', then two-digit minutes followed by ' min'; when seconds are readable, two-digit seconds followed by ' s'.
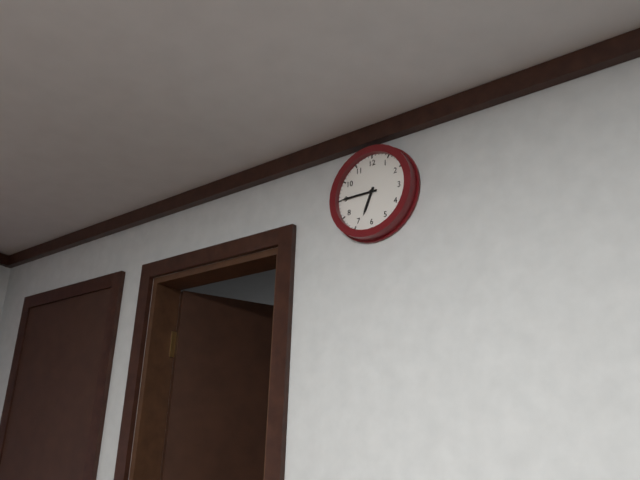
6 h 45 min
